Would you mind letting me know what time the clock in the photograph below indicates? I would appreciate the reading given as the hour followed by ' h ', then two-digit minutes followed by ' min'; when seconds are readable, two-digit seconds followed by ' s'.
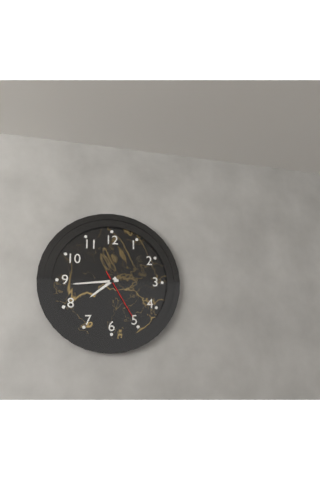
7 h 44 min 25 s
